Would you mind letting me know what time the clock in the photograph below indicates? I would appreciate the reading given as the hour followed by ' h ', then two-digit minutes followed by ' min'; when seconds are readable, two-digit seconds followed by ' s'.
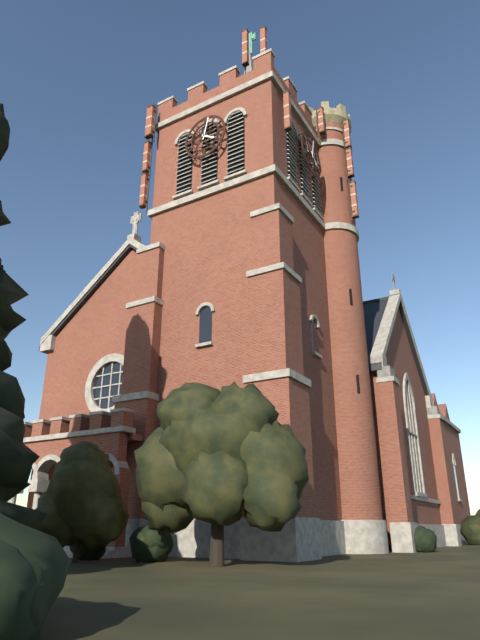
4 h 02 min
